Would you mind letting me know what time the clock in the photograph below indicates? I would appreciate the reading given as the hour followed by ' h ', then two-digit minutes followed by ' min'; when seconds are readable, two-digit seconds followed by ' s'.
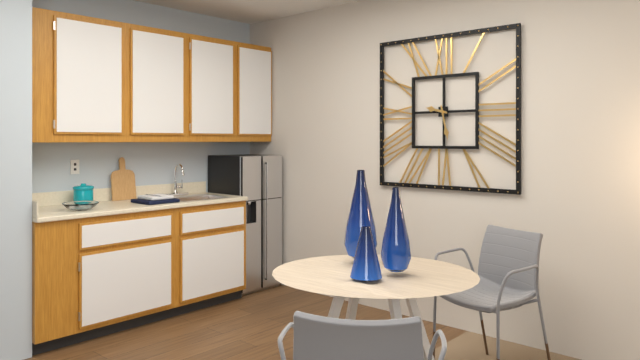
9 h 28 min
